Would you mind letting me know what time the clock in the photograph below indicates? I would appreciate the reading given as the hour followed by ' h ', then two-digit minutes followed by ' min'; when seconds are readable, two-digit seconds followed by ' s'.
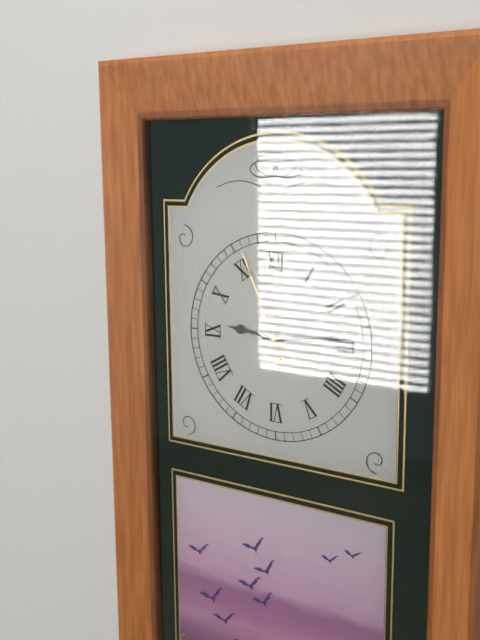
9 h 14 min 56 s
